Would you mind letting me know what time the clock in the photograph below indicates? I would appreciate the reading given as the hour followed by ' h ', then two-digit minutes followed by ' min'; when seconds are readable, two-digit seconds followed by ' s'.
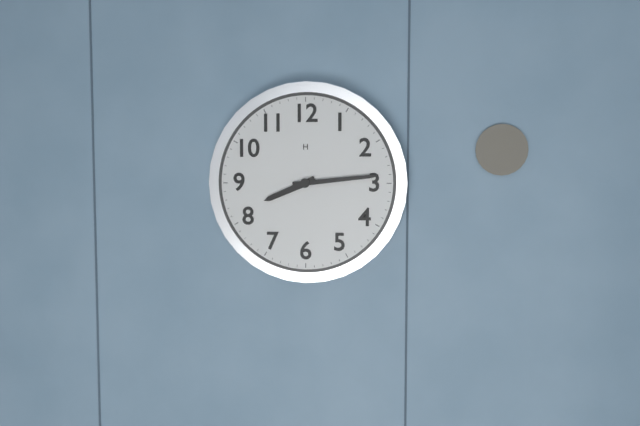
8 h 14 min
